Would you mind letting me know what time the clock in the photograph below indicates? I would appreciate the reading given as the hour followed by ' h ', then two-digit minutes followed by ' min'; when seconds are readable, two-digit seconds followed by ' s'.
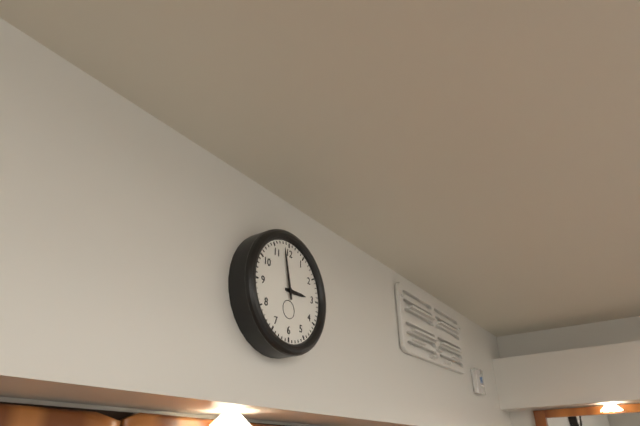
2 h 58 min
